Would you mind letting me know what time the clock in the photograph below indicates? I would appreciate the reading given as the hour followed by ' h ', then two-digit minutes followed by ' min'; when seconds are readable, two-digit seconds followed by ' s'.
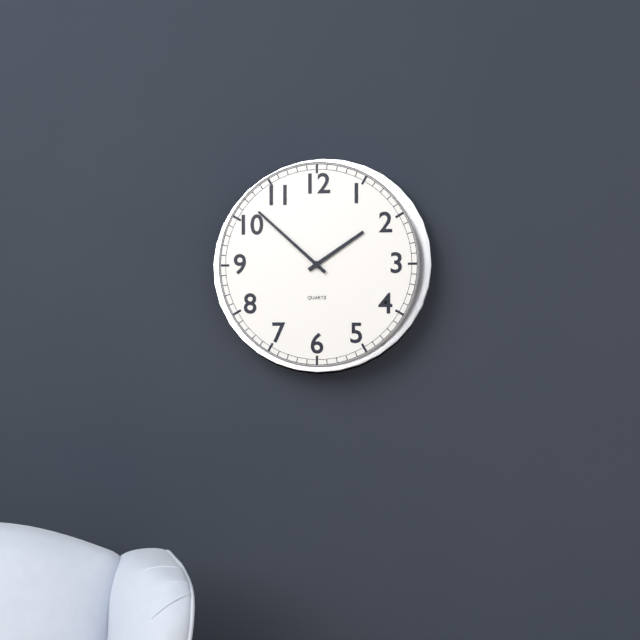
1 h 52 min
